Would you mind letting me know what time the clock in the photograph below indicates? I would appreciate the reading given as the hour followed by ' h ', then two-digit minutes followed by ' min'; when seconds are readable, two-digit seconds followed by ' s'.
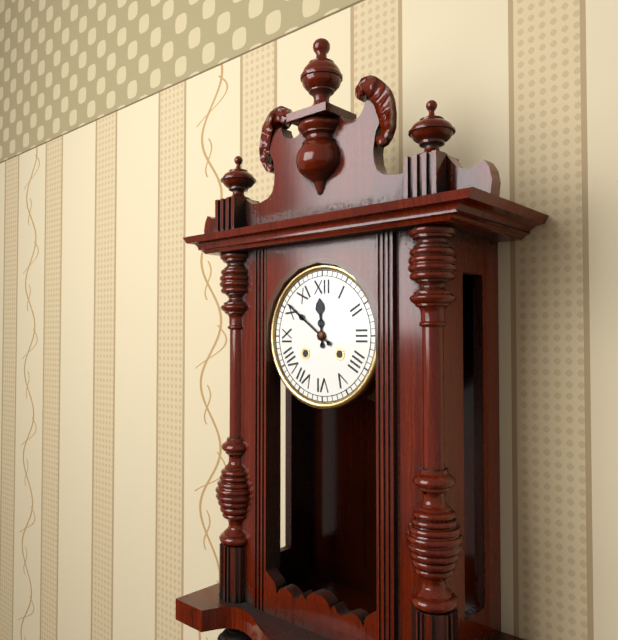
11 h 51 min
